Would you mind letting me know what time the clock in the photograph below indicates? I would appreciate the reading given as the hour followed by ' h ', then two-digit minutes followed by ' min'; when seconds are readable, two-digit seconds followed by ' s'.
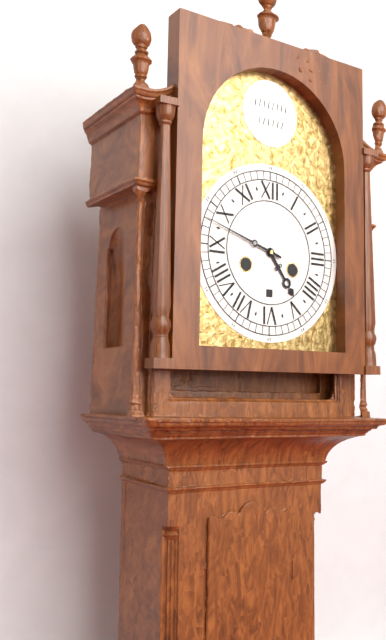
4 h 48 min
